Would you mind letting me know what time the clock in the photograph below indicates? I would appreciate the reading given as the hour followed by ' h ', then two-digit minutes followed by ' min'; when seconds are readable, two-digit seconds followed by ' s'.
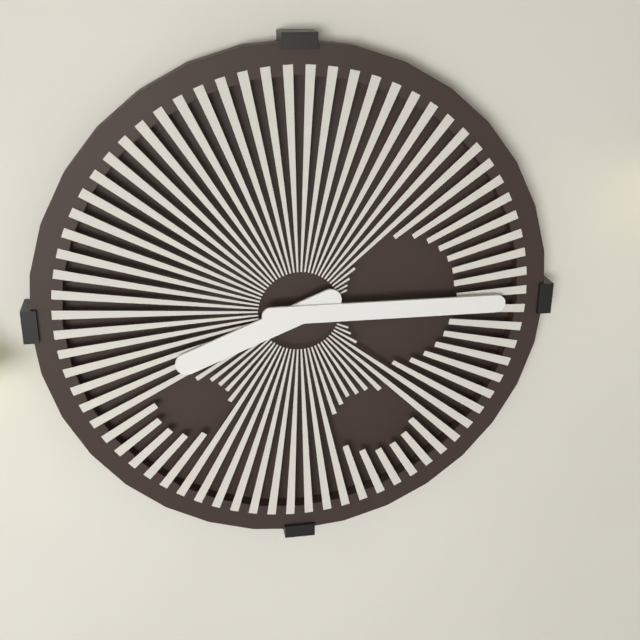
8 h 15 min
